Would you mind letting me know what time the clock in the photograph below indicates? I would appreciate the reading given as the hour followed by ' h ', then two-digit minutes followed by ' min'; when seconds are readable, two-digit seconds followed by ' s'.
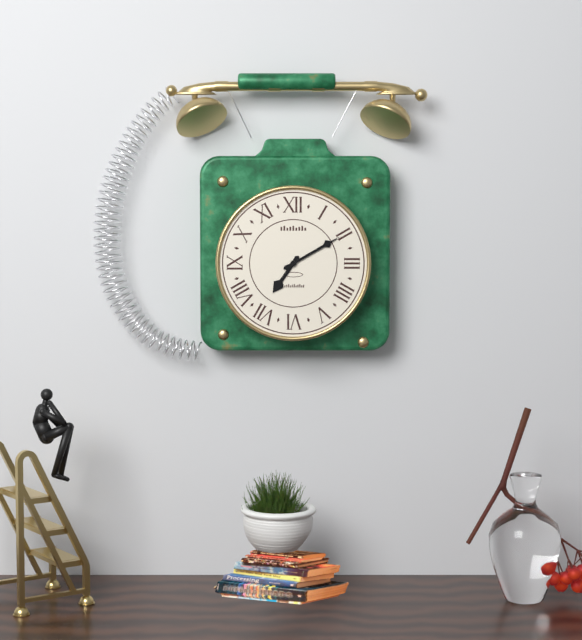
7 h 10 min
